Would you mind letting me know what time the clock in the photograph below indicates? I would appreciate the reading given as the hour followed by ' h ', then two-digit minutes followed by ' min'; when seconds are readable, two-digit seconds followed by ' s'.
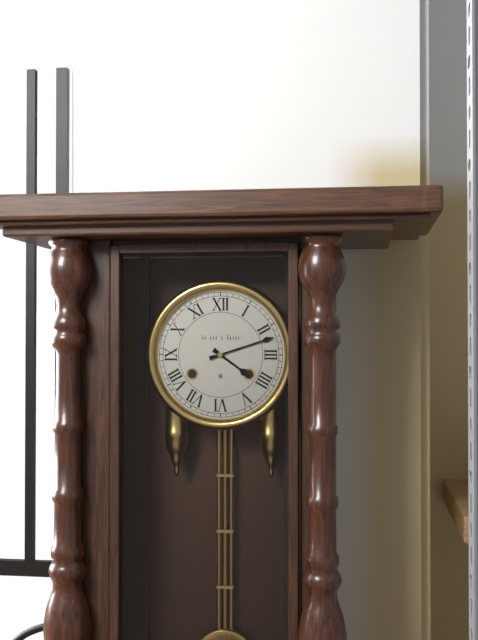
4 h 12 min
